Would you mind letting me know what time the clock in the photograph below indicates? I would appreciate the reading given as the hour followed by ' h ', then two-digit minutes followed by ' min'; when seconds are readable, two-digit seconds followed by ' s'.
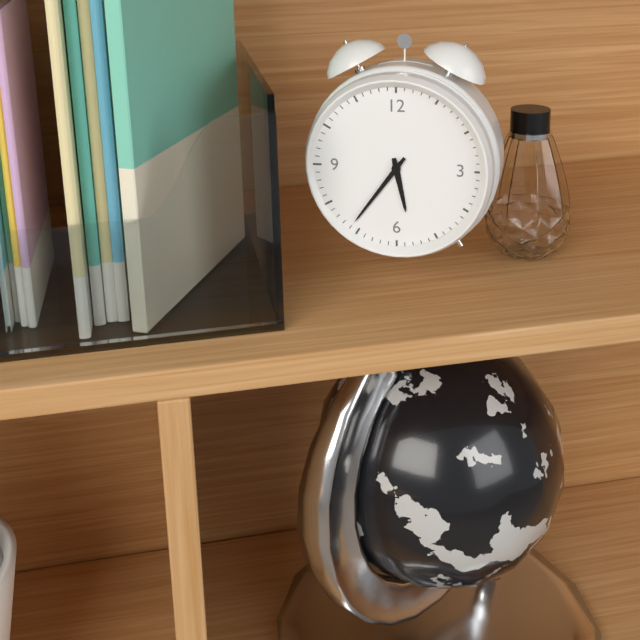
5 h 36 min
